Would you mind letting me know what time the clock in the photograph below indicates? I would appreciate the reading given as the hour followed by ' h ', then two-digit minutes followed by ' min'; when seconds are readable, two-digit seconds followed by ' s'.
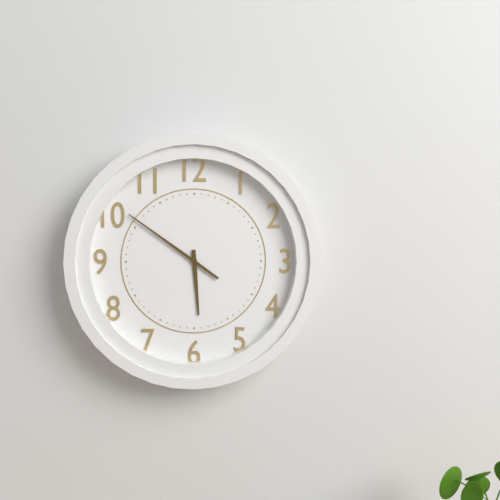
5 h 51 min
